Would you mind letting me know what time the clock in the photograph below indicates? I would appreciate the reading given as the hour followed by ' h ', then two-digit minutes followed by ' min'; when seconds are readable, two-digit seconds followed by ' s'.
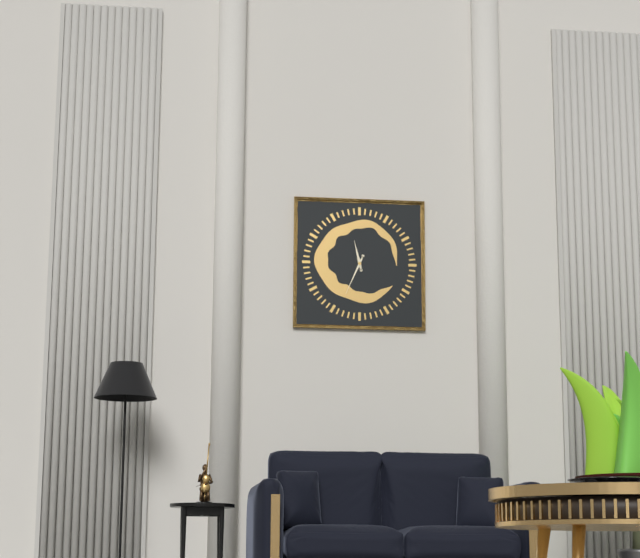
11 h 34 min
